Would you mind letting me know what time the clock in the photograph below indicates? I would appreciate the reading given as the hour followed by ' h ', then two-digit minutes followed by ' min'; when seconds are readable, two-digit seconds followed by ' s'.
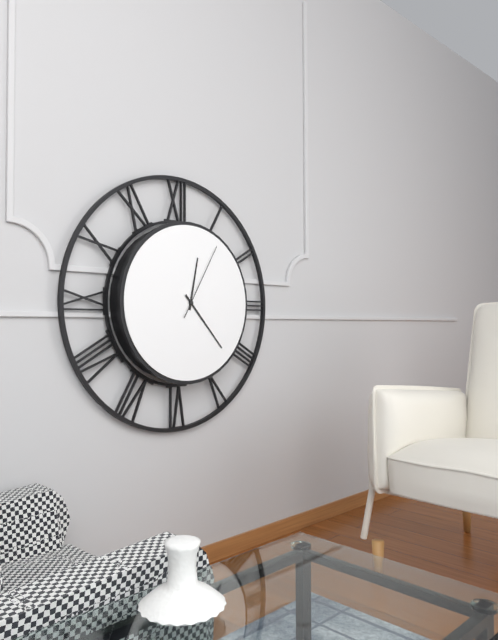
12 h 23 min 05 s
